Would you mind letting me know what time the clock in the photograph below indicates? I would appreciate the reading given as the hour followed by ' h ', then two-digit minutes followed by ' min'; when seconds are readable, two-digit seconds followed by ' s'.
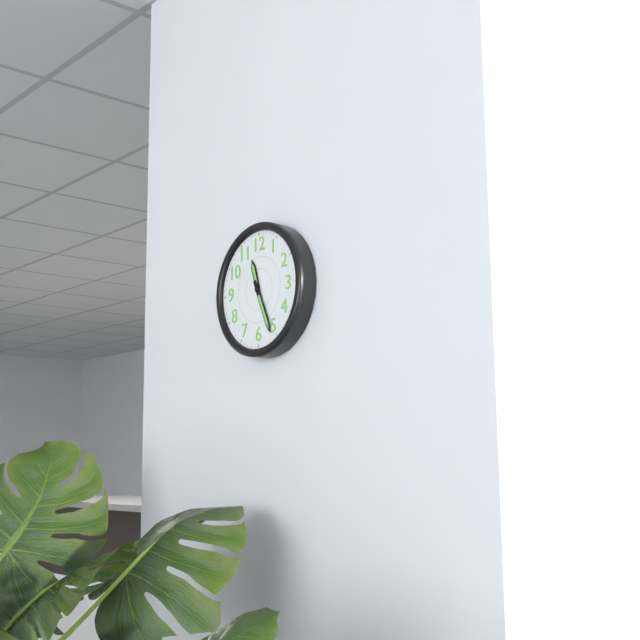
11 h 26 min
